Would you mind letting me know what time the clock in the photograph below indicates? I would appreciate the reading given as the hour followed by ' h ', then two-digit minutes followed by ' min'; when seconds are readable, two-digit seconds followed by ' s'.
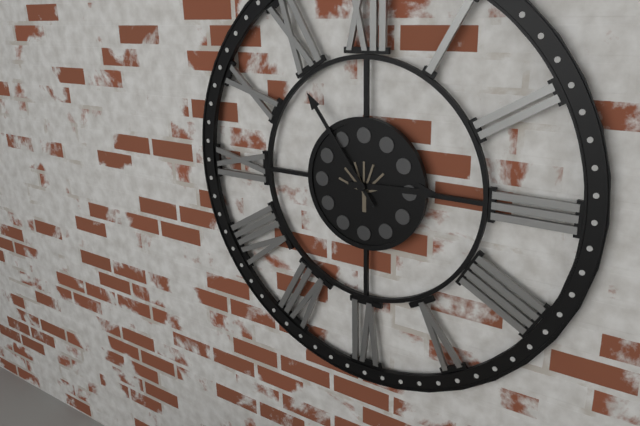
2 h 54 min
